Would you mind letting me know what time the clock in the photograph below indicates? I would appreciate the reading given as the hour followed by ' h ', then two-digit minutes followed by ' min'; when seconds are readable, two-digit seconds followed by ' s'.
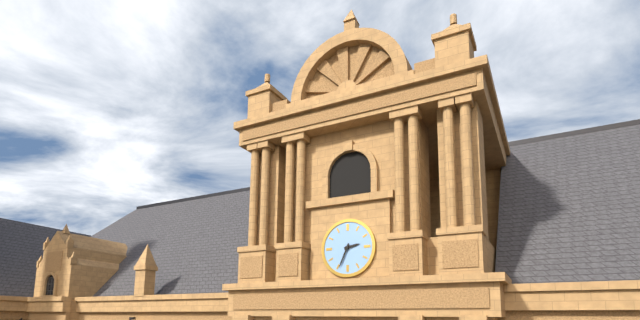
2 h 34 min
